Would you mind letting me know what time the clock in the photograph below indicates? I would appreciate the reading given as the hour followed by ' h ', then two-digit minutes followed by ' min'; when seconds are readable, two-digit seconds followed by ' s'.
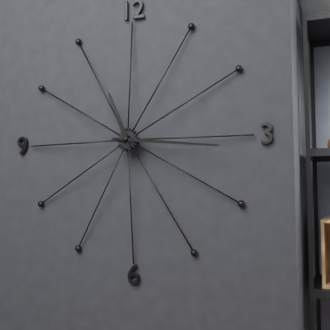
11 h 16 min
